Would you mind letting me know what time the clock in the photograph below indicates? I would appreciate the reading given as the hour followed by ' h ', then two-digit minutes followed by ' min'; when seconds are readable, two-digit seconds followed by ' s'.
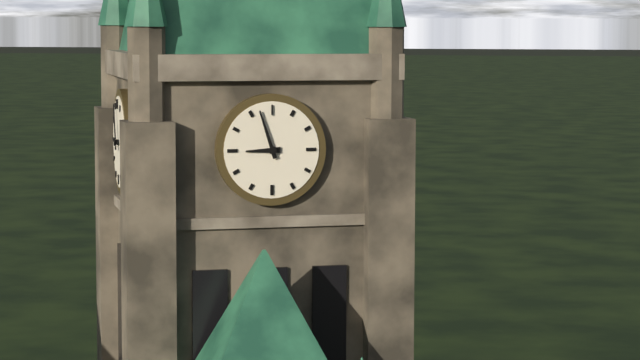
8 h 57 min
